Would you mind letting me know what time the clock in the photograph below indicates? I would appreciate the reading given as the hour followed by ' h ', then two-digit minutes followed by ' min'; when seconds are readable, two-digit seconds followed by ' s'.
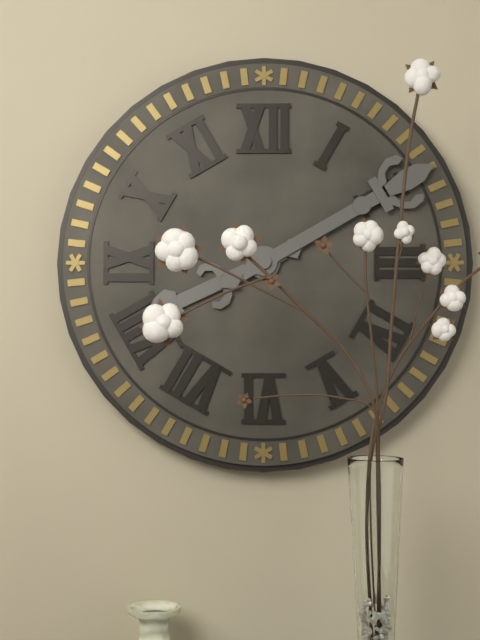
8 h 10 min
